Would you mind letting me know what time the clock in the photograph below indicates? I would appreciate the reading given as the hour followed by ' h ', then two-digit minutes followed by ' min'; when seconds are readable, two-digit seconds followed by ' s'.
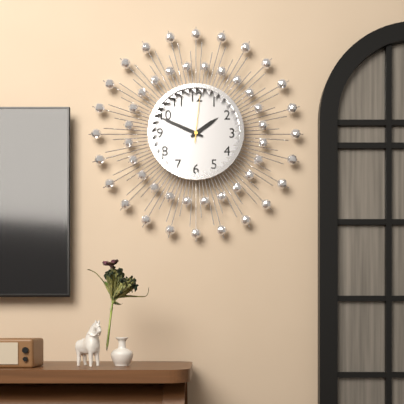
1 h 49 min
